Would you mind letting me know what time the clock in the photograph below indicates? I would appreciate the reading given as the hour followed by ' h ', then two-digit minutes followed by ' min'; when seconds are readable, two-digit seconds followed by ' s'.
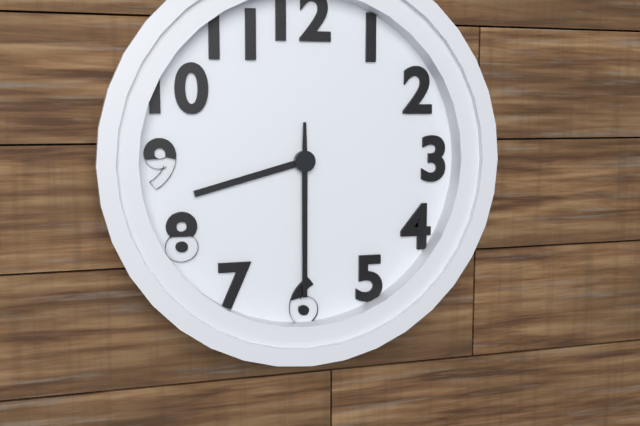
8 h 30 min
